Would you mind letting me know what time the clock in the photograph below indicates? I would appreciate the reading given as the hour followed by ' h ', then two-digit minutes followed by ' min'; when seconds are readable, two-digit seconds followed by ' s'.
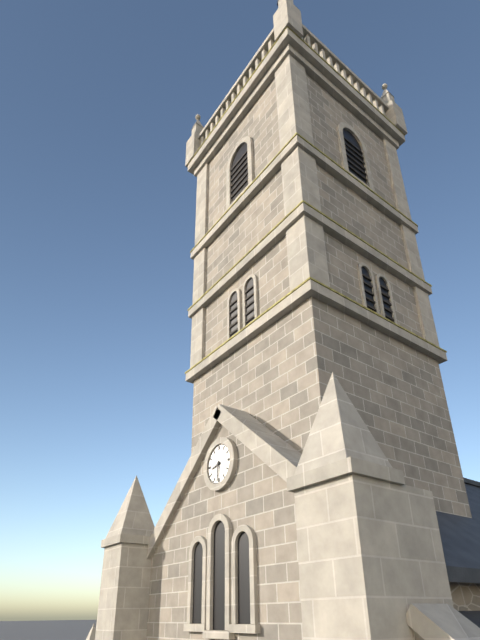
8 h 31 min
